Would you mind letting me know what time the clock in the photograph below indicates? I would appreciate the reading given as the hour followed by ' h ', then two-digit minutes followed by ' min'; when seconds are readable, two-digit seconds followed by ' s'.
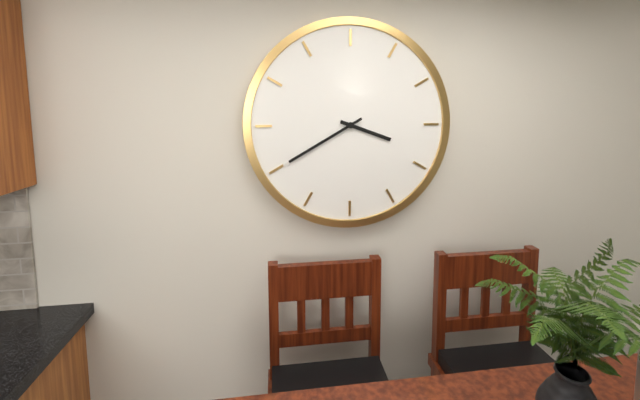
3 h 40 min
